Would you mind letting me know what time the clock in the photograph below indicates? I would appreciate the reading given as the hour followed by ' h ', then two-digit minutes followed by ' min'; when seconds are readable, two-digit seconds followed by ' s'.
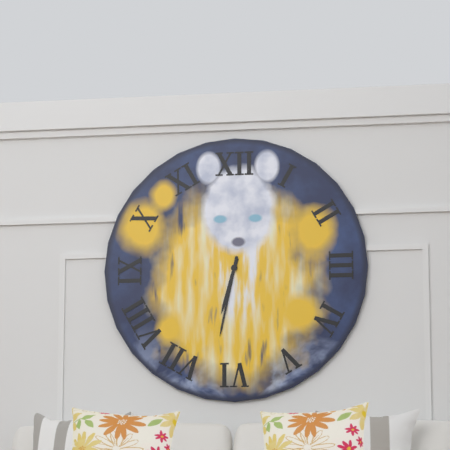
6 h 32 min
